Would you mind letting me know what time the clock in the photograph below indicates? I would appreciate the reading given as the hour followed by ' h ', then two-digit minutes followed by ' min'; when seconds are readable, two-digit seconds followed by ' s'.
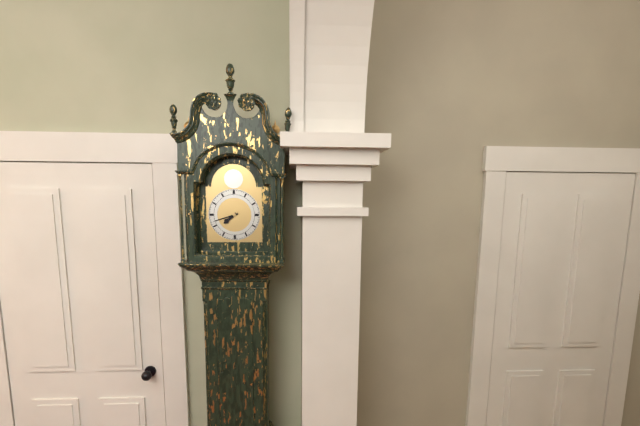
7 h 42 min
